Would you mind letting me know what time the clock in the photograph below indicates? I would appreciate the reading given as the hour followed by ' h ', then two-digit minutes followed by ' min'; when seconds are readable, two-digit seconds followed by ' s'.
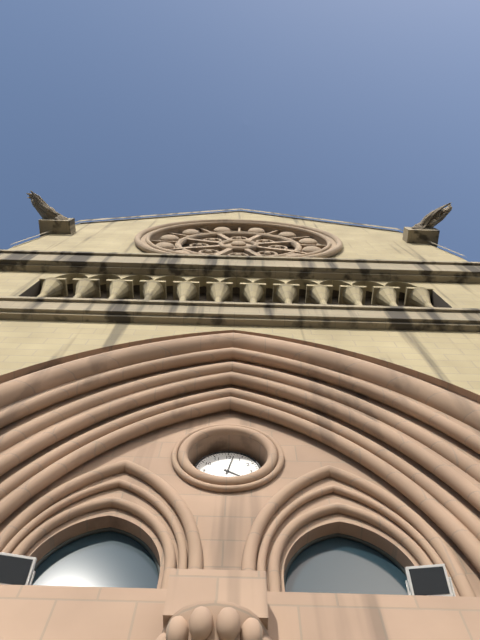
4 h 02 min
